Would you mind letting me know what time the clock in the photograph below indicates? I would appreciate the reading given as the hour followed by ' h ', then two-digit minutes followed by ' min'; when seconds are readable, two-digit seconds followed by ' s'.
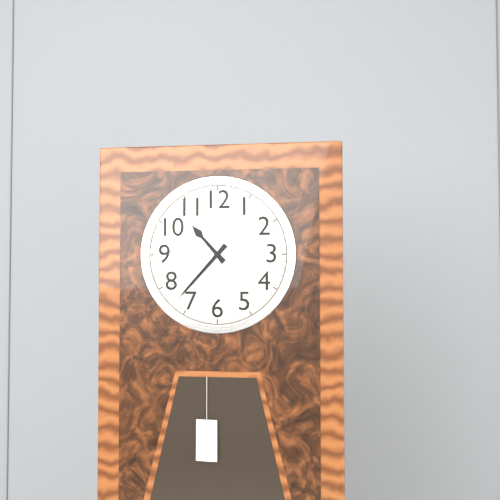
10 h 37 min
